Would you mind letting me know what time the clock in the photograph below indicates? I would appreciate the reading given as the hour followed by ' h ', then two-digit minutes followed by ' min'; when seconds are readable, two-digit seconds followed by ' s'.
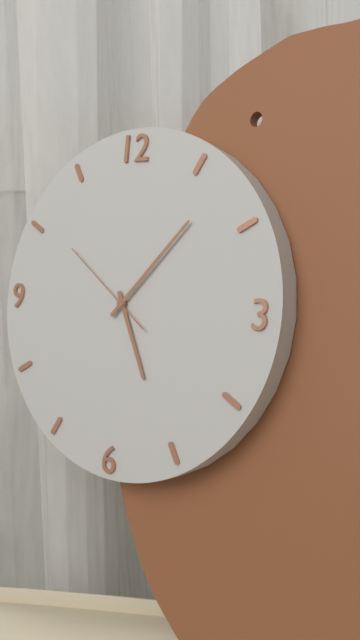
5 h 07 min 51 s
